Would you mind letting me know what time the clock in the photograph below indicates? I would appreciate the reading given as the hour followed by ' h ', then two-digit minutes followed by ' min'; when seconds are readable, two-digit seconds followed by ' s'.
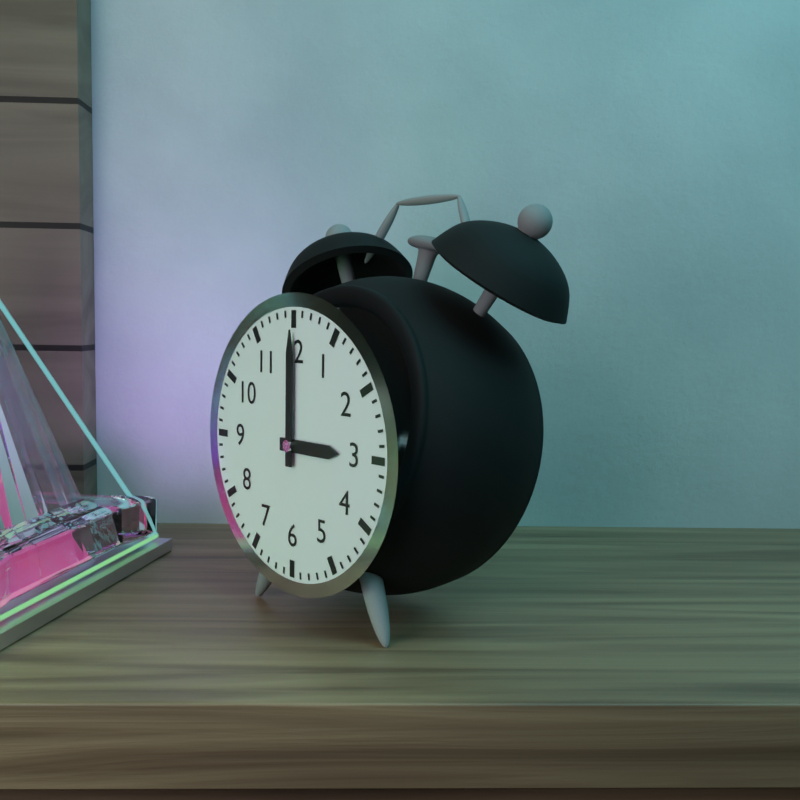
3 h 00 min
